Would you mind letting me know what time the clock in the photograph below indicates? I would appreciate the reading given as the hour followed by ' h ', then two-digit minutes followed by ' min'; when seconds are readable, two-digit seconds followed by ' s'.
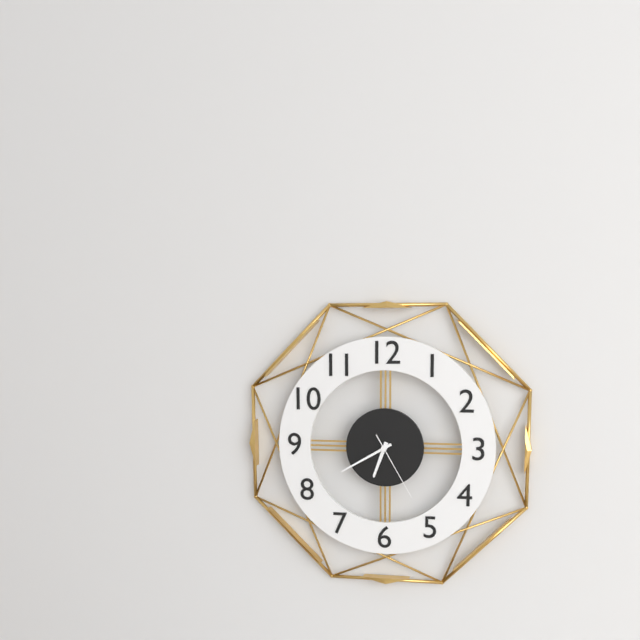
6 h 40 min 25 s
